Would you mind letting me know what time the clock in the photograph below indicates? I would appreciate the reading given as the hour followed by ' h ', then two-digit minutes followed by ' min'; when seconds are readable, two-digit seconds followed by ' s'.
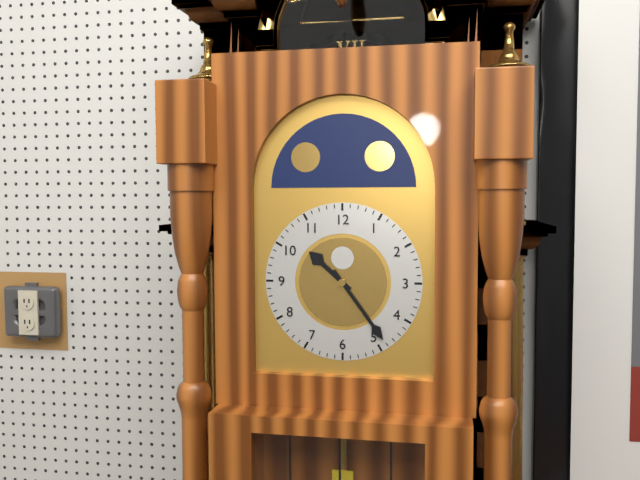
10 h 24 min
